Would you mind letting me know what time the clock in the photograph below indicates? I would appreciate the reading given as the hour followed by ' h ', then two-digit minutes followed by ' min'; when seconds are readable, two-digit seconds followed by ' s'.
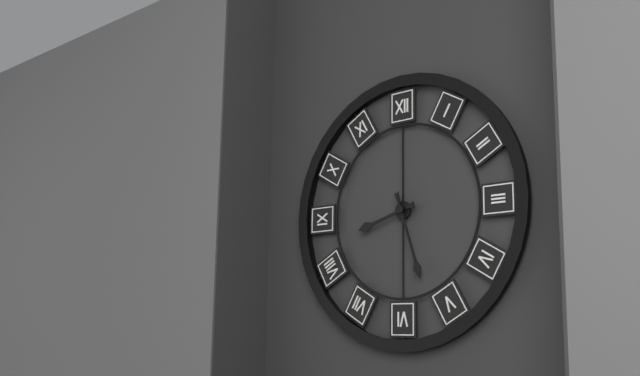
8 h 27 min
